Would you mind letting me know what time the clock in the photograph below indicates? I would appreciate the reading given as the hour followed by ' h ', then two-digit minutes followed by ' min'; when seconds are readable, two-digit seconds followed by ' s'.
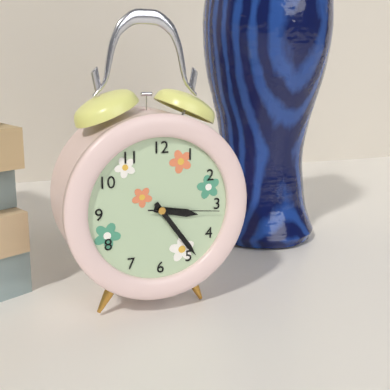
3 h 24 min 16 s
